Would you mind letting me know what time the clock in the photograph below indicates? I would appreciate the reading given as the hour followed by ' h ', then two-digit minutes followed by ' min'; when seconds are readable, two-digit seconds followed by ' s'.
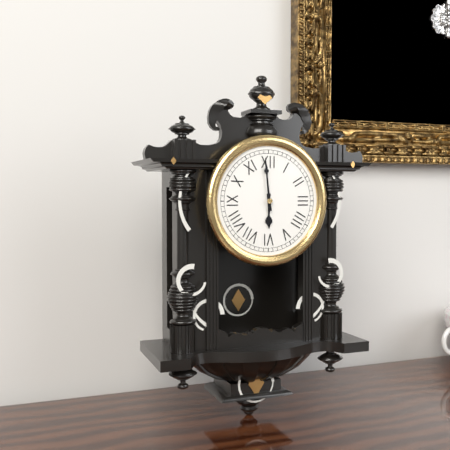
5 h 59 min
